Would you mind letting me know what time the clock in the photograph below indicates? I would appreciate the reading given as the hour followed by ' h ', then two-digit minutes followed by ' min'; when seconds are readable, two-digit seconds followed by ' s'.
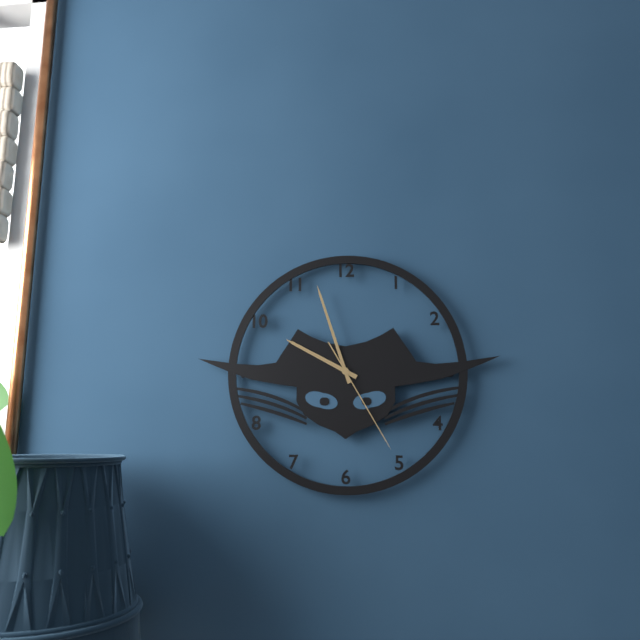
9 h 57 min 25 s
